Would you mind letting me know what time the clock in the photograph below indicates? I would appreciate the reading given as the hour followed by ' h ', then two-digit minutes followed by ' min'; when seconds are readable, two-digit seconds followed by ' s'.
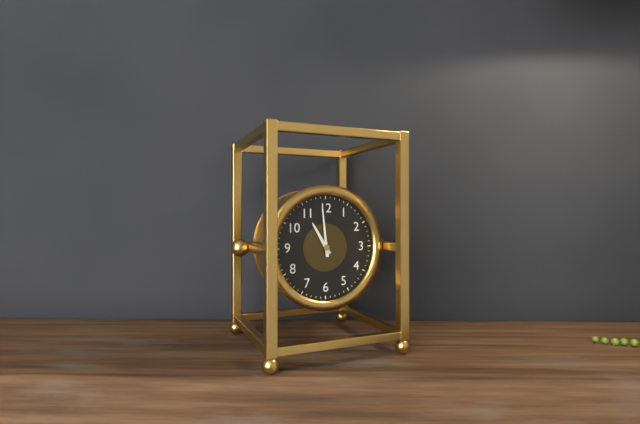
10 h 59 min
